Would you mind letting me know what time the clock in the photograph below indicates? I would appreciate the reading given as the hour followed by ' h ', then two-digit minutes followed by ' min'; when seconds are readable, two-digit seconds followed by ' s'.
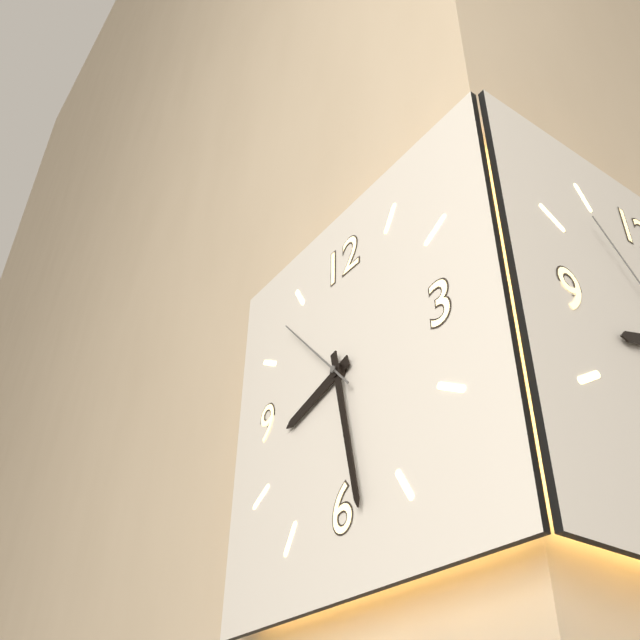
8 h 28 min 53 s
